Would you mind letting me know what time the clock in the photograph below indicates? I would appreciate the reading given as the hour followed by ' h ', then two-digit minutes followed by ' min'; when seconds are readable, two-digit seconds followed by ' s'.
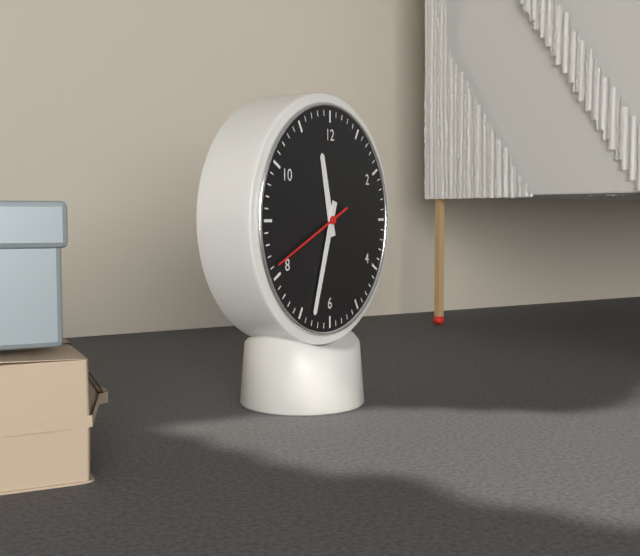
11 h 33 min 41 s
